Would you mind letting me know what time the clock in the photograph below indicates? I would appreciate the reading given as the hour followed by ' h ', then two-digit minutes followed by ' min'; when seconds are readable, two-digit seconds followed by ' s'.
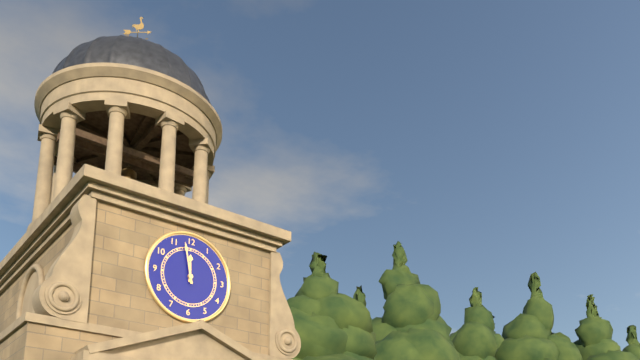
11 h 58 min
